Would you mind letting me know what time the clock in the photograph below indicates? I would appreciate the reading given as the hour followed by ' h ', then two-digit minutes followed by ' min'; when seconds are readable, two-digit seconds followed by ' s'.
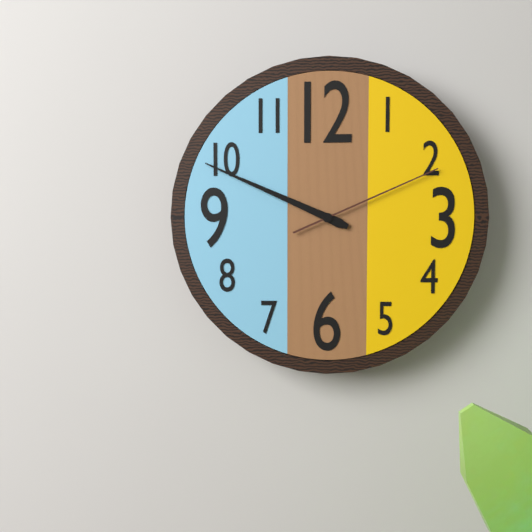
9 h 49 min 11 s
